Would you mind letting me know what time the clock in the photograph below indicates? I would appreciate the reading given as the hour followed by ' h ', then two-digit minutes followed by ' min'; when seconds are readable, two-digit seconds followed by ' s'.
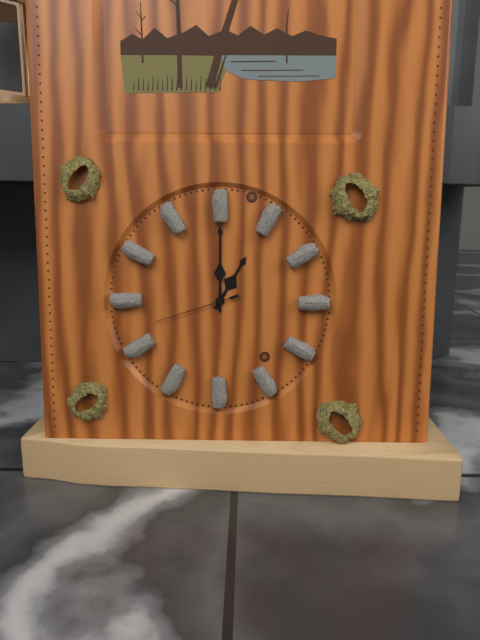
1 h 00 min 42 s
